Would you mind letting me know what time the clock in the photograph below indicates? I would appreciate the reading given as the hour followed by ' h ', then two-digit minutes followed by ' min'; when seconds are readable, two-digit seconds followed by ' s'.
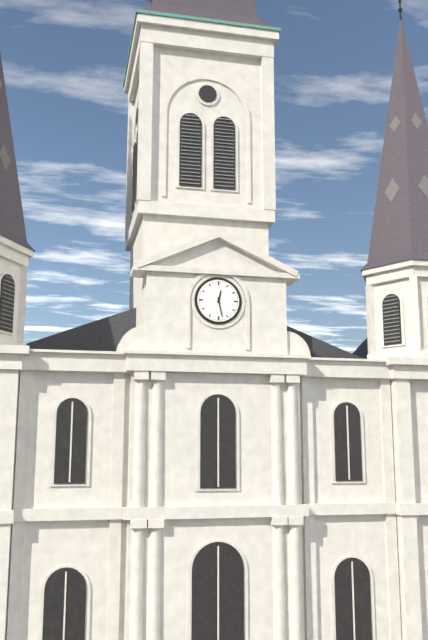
12 h 28 min
